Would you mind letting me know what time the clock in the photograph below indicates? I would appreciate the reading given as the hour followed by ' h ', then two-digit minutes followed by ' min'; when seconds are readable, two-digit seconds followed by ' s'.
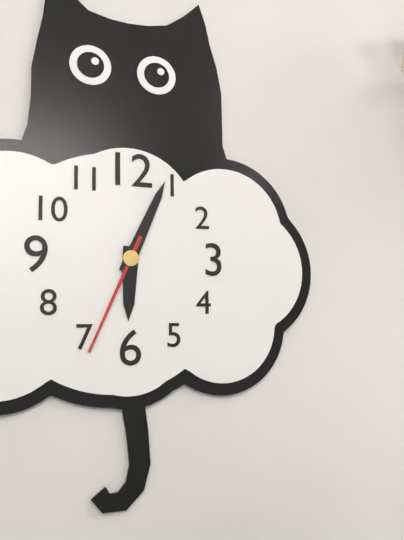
6 h 04 min 34 s
